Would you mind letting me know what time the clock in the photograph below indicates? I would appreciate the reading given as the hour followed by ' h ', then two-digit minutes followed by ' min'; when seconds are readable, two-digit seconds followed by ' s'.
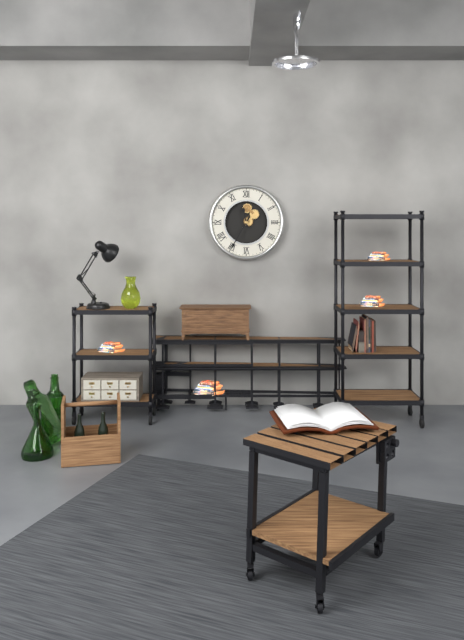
11 h 35 min
